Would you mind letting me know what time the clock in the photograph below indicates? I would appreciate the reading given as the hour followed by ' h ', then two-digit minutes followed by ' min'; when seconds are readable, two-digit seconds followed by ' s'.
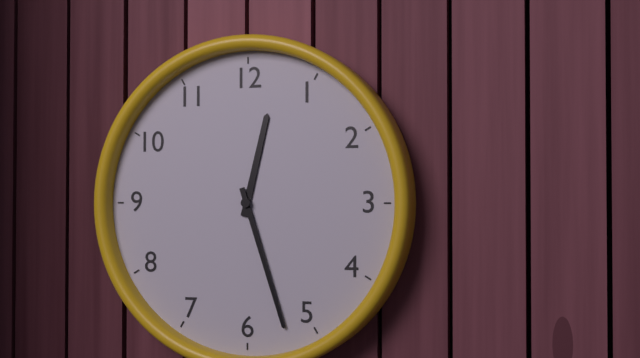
12 h 27 min
